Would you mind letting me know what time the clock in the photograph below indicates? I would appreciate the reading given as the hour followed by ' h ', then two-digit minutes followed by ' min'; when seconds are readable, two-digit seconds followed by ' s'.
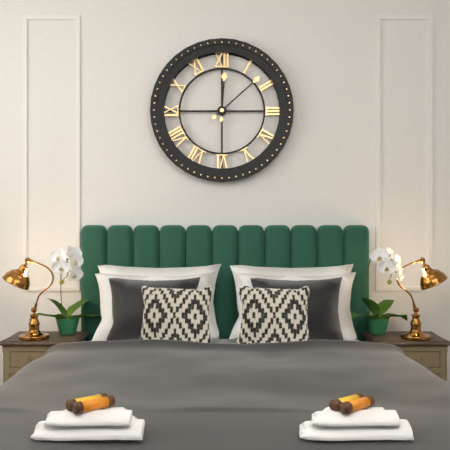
12 h 08 min
